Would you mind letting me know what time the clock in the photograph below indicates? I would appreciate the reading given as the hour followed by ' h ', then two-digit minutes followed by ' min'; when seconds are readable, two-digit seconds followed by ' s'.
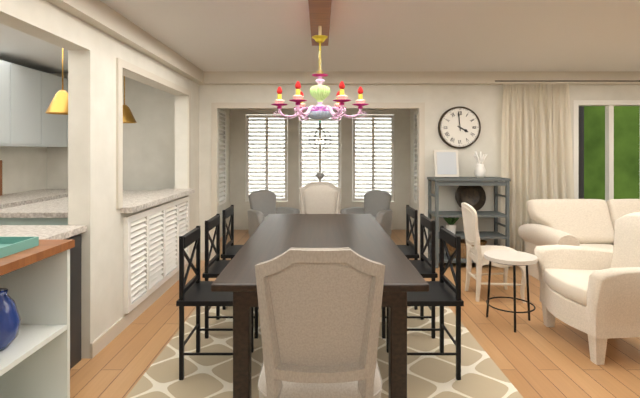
3 h 59 min
